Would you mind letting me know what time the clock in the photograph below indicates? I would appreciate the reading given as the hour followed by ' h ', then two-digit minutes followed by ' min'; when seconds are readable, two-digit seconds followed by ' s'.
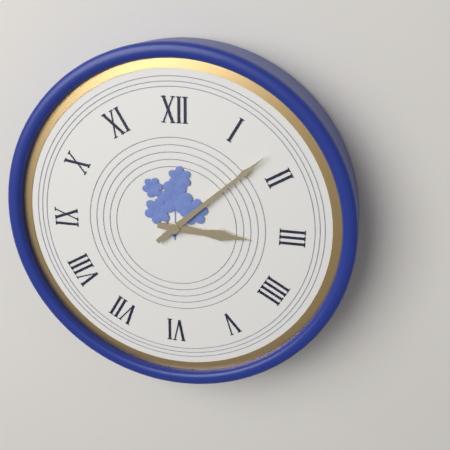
3 h 08 min
